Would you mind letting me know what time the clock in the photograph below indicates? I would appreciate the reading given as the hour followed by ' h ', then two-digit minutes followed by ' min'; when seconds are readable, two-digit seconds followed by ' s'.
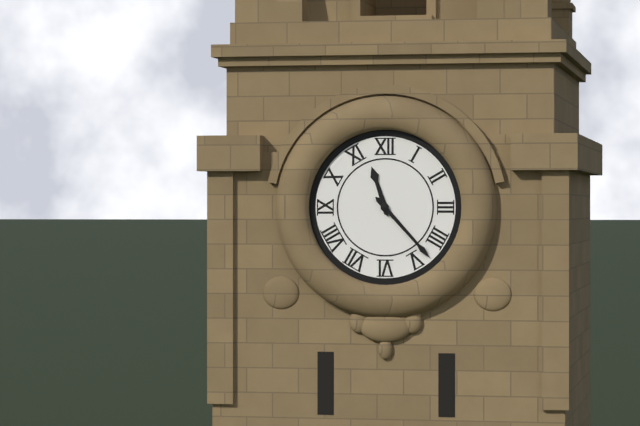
11 h 23 min
